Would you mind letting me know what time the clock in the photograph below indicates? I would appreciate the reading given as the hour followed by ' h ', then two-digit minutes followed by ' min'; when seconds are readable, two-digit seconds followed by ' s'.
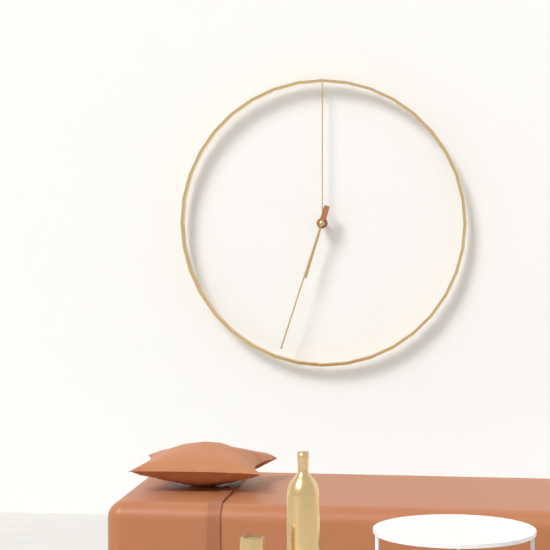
6 h 33 min
